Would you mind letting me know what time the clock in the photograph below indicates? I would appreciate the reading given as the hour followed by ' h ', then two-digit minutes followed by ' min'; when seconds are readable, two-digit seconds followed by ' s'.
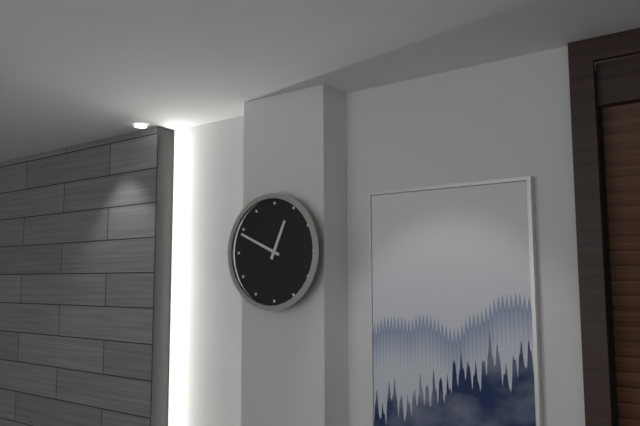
12 h 49 min
